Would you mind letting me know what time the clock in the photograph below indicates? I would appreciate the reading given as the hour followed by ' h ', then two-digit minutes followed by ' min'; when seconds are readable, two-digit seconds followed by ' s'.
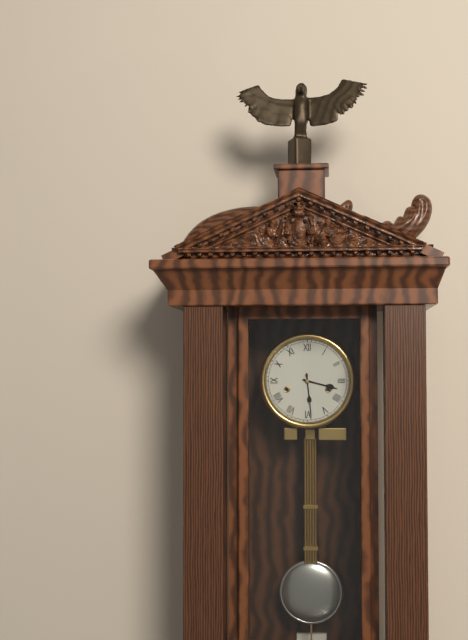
3 h 29 min
